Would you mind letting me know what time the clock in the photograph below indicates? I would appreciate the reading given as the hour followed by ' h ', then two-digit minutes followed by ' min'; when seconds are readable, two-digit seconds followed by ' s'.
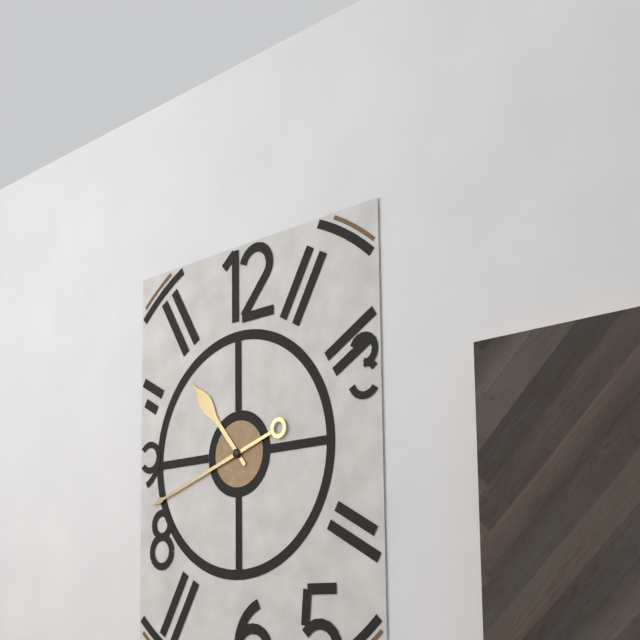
10 h 42 min
